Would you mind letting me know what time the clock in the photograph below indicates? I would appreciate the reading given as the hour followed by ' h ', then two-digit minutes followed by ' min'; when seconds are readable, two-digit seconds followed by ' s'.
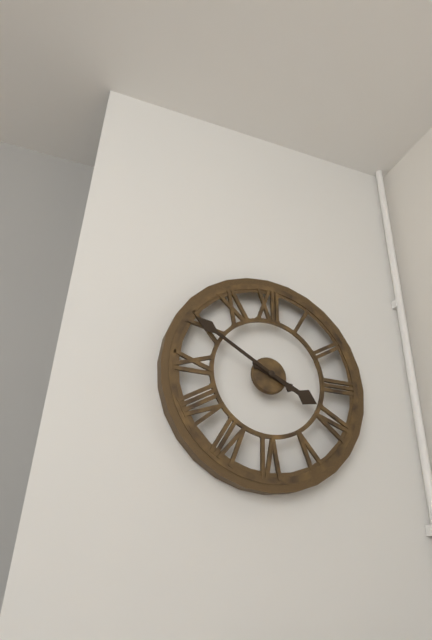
3 h 50 min
